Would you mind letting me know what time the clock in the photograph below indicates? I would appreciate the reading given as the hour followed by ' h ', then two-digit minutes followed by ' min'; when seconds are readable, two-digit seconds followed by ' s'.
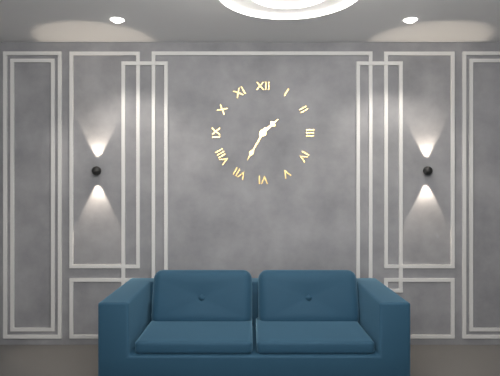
1 h 35 min
